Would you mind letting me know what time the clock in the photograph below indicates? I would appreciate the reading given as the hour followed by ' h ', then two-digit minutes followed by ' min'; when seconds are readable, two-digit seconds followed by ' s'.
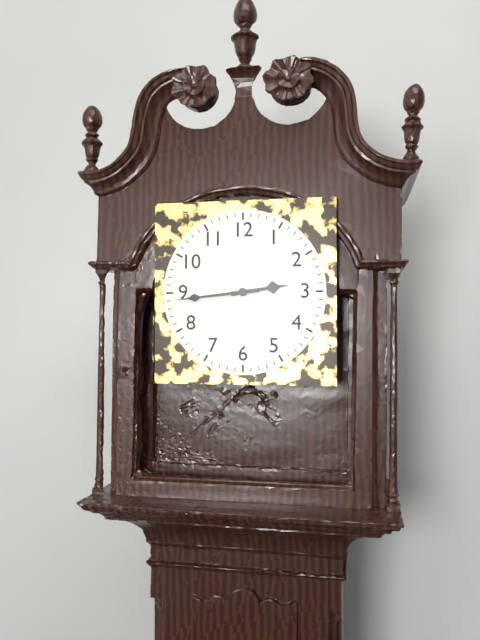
2 h 44 min
